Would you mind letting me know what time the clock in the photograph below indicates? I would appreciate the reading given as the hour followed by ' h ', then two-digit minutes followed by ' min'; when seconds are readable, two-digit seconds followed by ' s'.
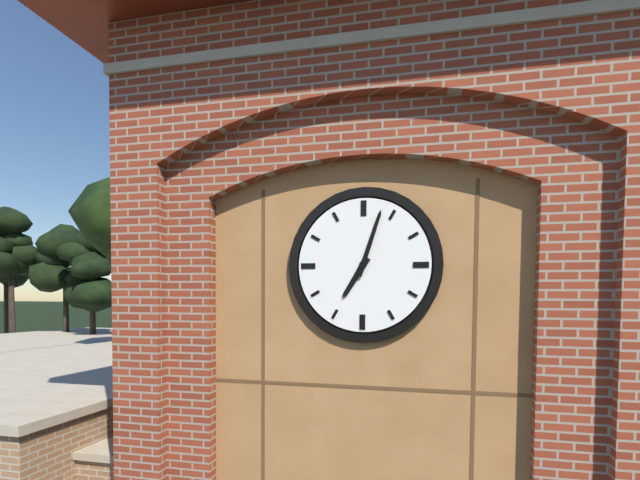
7 h 03 min
